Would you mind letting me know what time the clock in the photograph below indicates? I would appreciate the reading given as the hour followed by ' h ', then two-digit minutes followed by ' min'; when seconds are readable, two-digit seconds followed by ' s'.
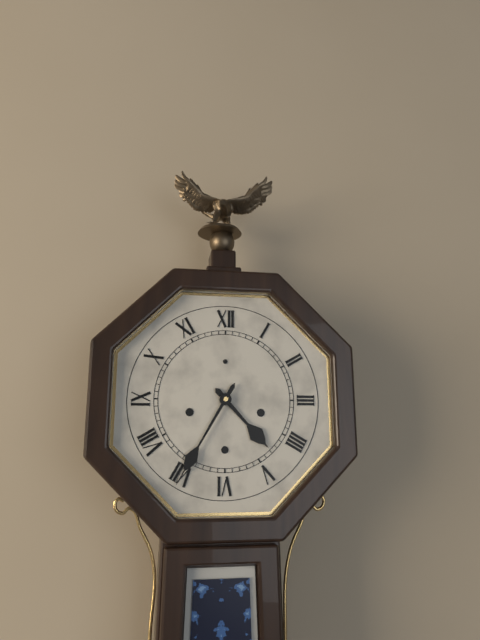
4 h 35 min
